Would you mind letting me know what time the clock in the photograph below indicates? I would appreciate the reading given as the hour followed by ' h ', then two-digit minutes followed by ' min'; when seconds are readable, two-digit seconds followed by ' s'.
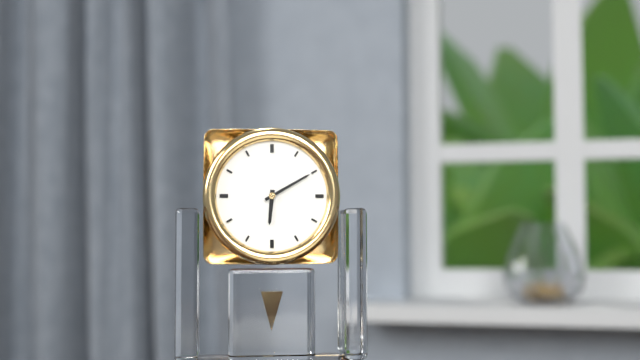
6 h 10 min
